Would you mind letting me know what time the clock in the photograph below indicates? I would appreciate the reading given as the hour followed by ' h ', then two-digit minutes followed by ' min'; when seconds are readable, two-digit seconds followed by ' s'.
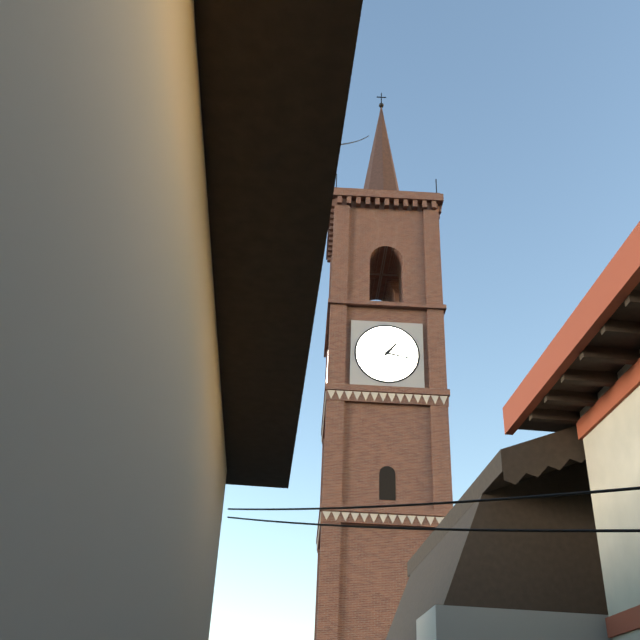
1 h 17 min
